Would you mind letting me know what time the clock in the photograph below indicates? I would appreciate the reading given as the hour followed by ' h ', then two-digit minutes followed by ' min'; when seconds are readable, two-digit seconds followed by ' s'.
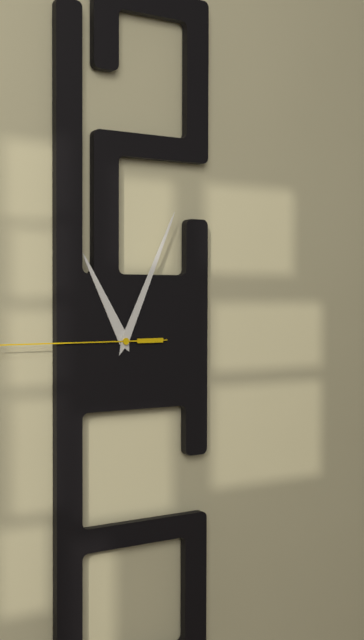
11 h 04 min
